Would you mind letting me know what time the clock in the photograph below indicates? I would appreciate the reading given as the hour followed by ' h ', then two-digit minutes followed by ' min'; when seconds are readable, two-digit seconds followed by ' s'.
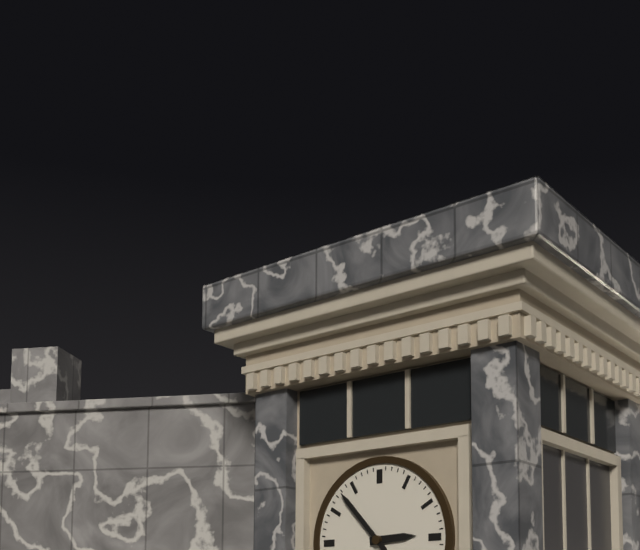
2 h 53 min
